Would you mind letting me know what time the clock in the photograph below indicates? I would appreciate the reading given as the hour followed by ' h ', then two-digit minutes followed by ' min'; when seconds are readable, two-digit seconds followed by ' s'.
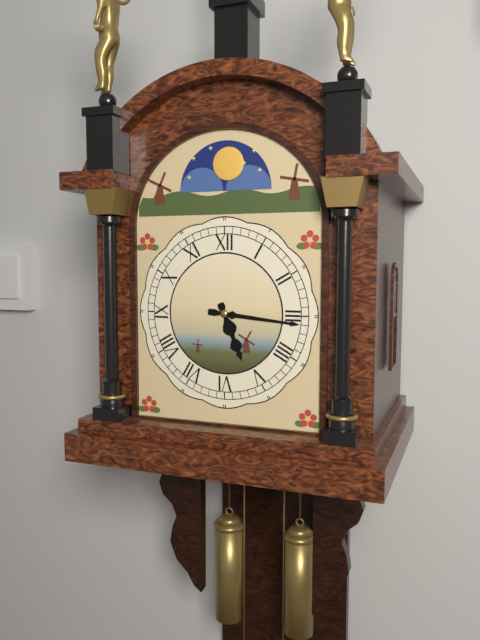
5 h 16 min
